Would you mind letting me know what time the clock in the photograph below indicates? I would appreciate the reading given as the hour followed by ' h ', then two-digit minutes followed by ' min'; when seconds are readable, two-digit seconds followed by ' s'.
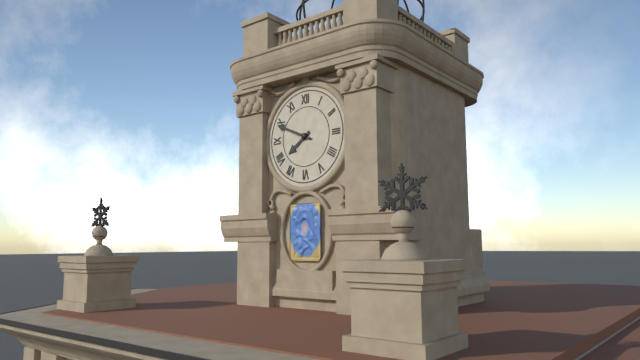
7 h 49 min
